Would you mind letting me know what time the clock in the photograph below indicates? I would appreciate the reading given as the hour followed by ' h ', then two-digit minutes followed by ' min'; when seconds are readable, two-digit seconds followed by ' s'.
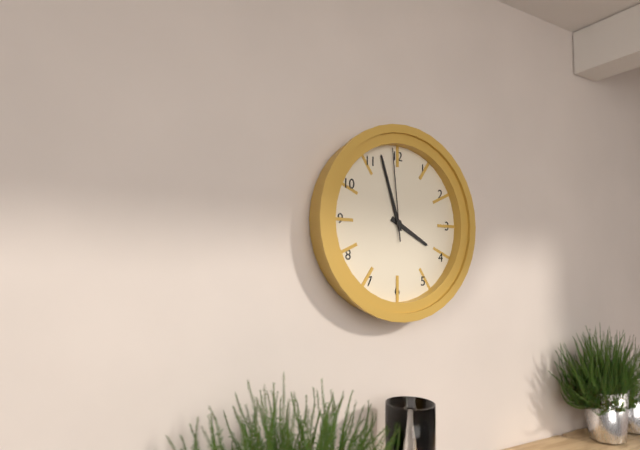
3 h 57 min 59 s
